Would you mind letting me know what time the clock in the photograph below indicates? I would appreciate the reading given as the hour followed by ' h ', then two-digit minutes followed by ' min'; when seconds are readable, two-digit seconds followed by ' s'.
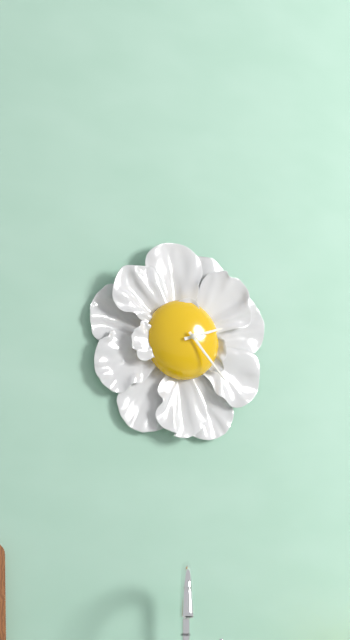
2 h 23 min
